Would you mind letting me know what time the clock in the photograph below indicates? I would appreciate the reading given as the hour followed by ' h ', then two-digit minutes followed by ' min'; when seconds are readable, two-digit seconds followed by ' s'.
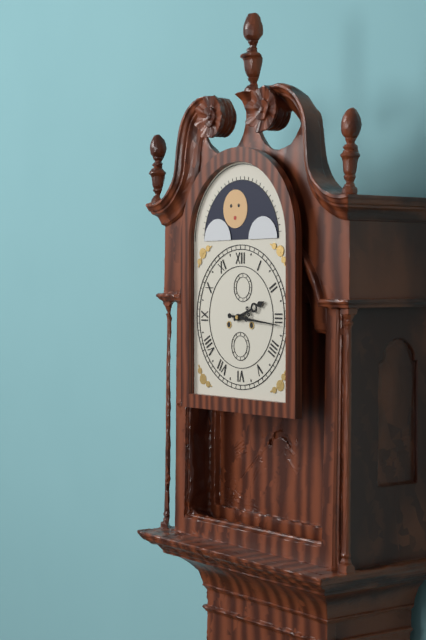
2 h 16 min
